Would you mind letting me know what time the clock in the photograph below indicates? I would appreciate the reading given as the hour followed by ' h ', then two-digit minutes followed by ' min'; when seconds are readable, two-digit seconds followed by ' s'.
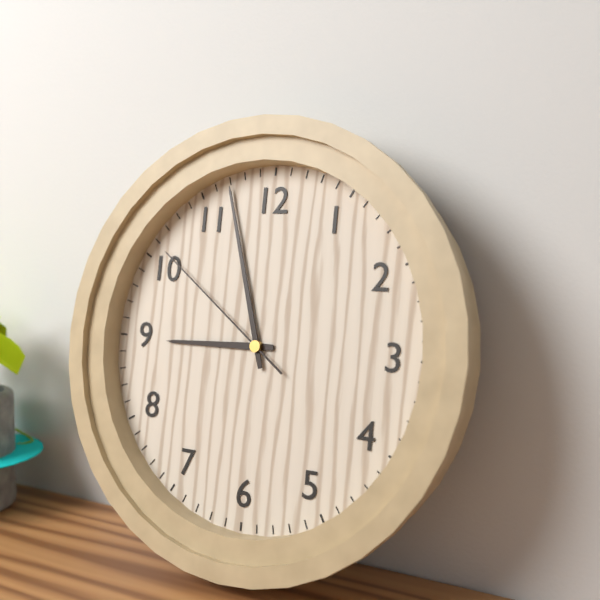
8 h 57 min 51 s
